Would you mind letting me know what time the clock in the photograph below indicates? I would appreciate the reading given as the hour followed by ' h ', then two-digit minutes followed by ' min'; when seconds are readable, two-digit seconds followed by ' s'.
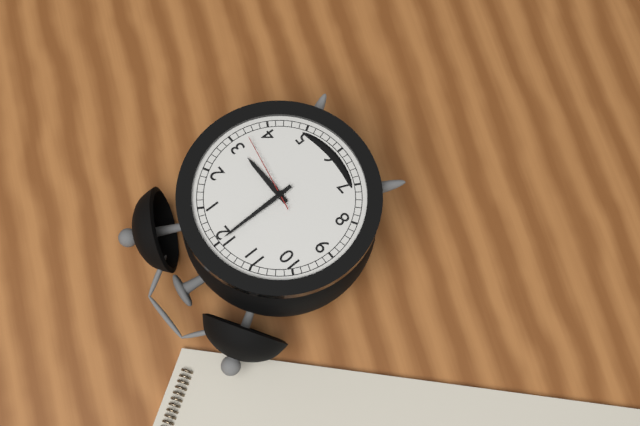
3 h 00 min 17 s
